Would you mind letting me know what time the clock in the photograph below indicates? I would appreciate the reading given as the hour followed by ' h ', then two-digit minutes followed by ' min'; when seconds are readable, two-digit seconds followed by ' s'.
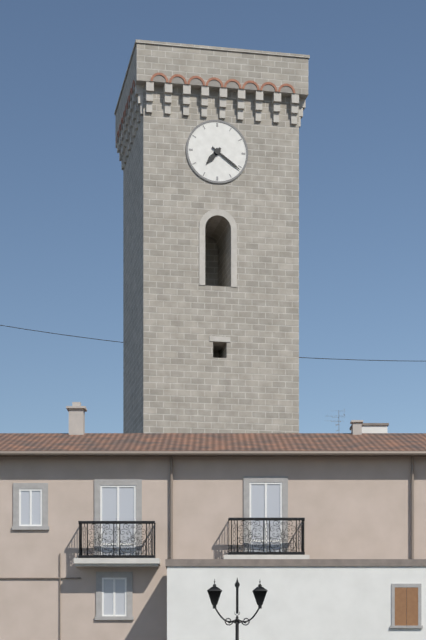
7 h 21 min
